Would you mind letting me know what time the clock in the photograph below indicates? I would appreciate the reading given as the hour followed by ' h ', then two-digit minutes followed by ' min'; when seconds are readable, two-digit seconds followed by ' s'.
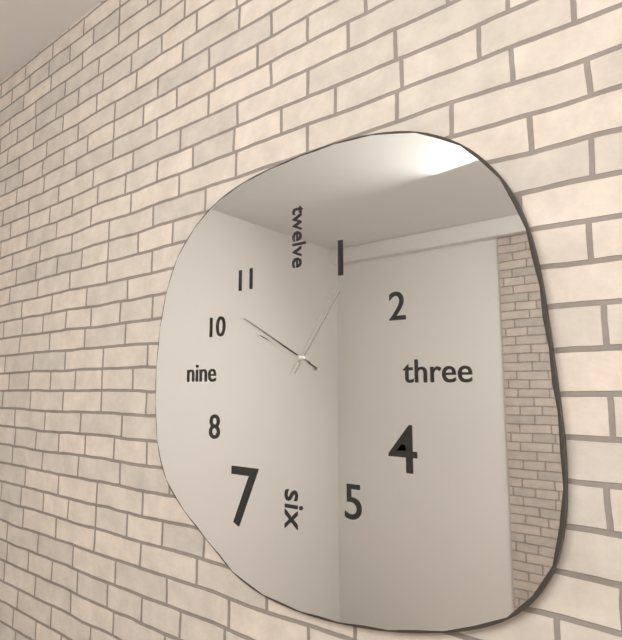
9 h 50 min 06 s
